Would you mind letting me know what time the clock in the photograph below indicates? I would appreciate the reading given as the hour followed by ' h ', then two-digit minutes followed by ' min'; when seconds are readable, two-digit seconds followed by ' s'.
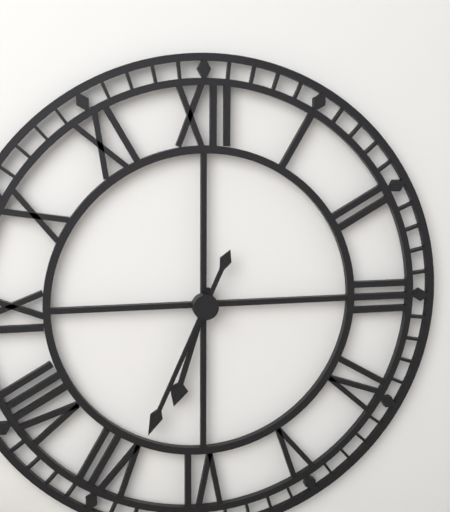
6 h 34 min
